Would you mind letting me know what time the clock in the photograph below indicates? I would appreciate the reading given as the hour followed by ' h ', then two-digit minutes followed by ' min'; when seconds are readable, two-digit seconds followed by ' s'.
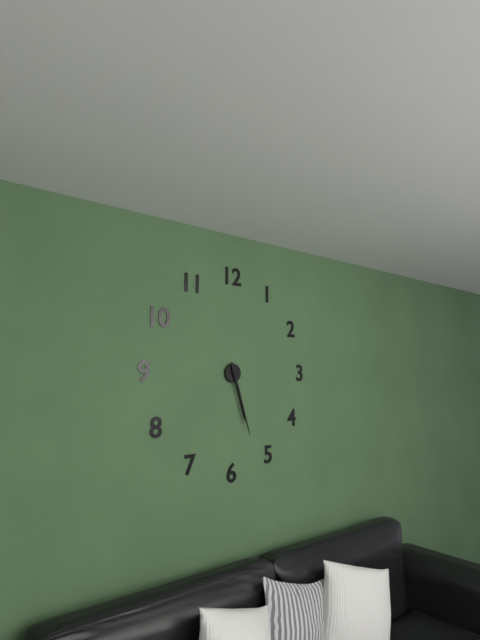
5 h 27 min
